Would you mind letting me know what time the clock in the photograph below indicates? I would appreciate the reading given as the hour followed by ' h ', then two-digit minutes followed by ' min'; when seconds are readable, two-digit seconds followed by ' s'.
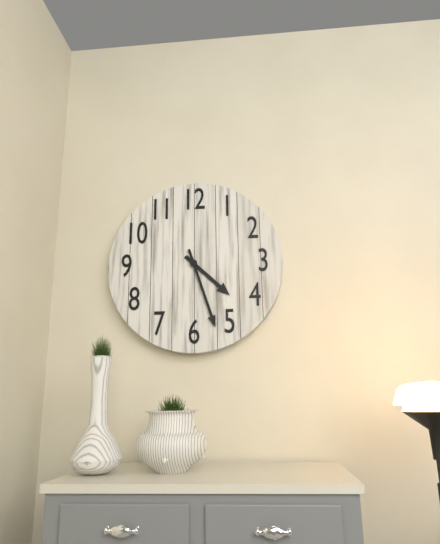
4 h 27 min
